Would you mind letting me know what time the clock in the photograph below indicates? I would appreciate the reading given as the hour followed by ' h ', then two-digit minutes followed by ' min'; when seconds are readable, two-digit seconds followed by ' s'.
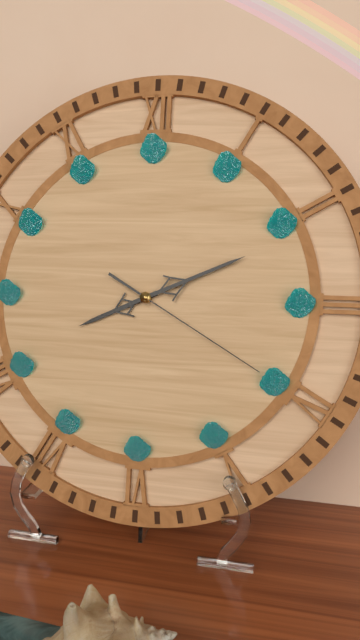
8 h 11 min 20 s
